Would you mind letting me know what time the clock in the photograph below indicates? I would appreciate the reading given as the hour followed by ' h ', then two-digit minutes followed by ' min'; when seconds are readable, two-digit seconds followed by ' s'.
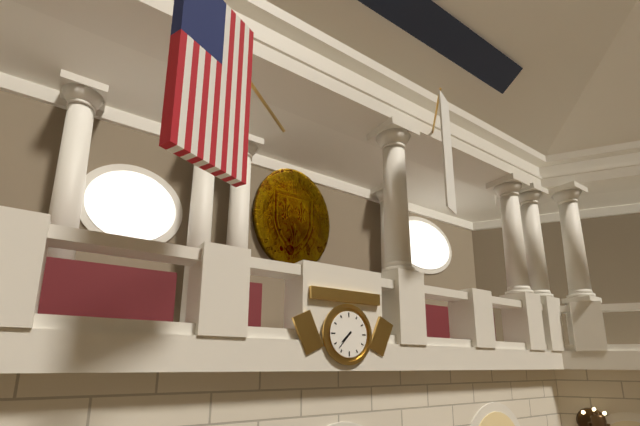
7 h 37 min
